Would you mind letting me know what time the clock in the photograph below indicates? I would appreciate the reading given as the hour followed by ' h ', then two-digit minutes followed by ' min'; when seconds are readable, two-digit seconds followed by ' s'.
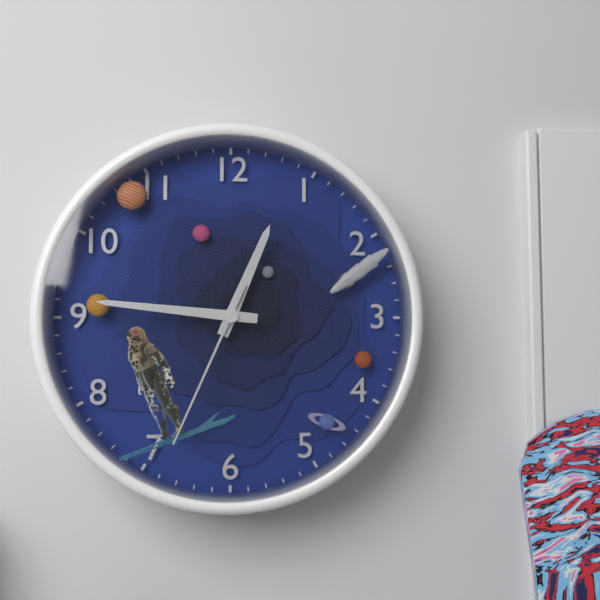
12 h 46 min 34 s
